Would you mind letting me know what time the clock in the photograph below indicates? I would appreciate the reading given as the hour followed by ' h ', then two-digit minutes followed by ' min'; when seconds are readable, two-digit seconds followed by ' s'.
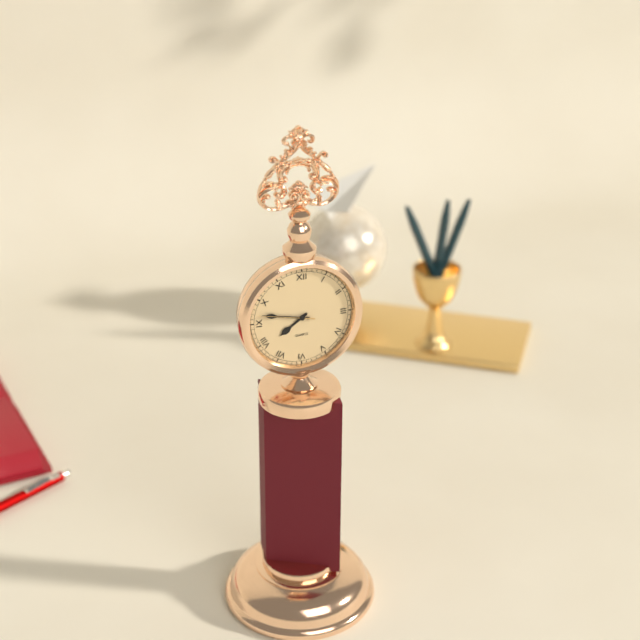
7 h 47 min 47 s
